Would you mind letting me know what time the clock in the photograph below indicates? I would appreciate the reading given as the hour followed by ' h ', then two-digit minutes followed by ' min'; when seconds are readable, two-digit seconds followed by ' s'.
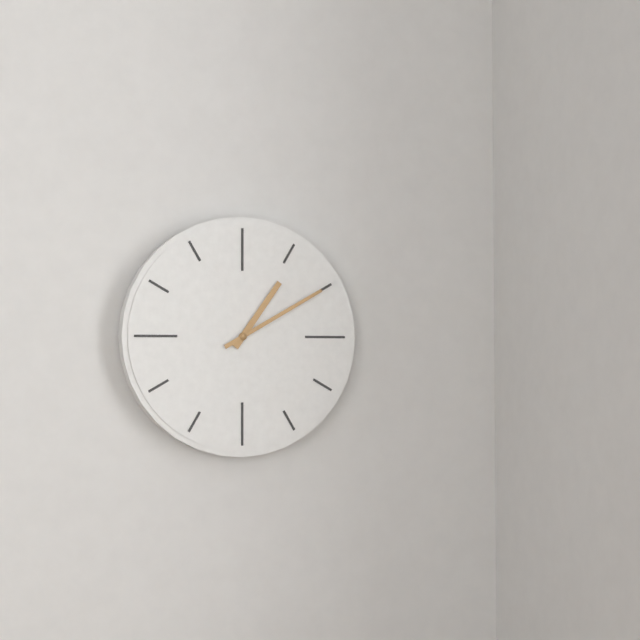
1 h 10 min
